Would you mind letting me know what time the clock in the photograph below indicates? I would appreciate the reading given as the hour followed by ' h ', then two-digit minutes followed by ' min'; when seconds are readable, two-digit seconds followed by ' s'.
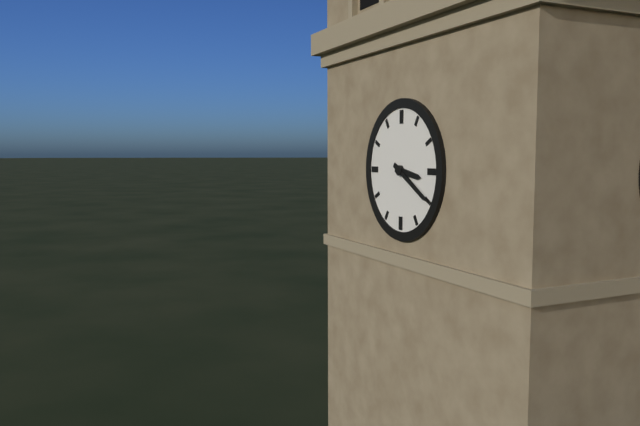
3 h 20 min
